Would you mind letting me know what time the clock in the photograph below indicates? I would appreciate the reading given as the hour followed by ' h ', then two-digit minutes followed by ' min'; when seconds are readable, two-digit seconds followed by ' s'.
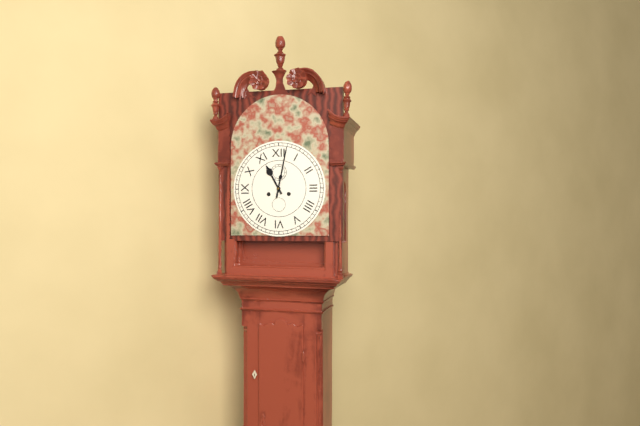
11 h 02 min
